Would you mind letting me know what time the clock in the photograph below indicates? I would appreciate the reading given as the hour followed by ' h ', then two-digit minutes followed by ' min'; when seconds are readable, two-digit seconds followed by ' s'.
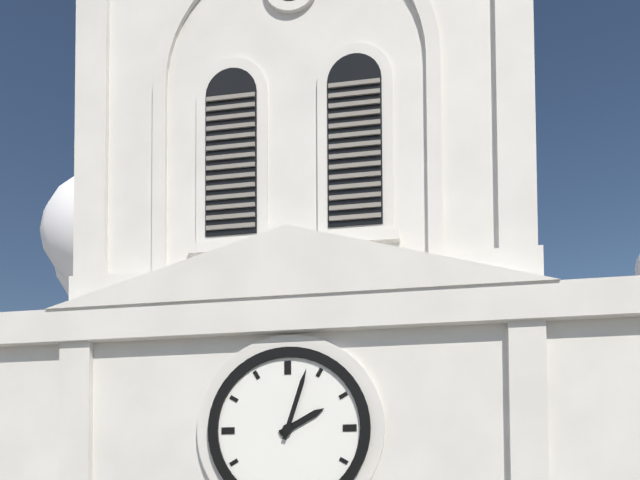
2 h 03 min
